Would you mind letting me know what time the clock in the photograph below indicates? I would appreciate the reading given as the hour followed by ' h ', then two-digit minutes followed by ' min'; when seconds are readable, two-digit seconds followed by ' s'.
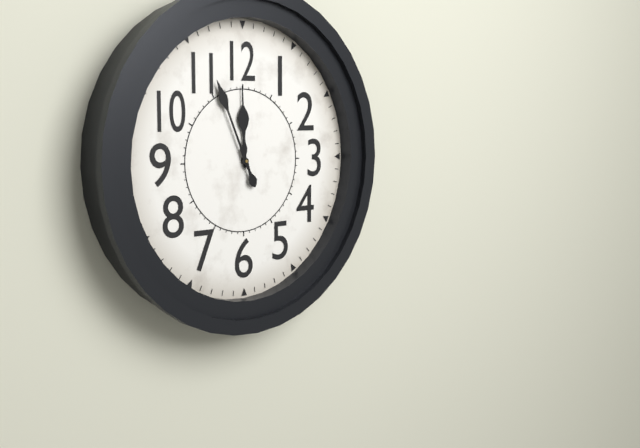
11 h 56 min
